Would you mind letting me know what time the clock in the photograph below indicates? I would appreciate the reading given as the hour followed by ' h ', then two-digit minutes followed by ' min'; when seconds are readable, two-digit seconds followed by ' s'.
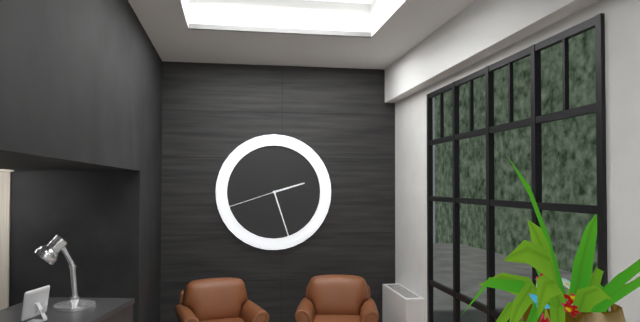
2 h 27 min 42 s
